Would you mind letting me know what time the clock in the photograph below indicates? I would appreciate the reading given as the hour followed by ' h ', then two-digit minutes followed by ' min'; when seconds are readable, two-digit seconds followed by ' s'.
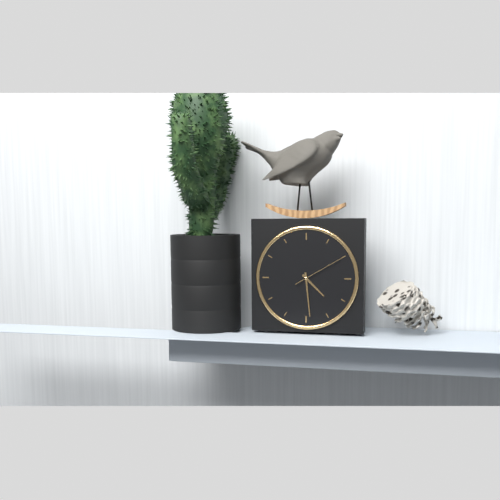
4 h 29 min 10 s
